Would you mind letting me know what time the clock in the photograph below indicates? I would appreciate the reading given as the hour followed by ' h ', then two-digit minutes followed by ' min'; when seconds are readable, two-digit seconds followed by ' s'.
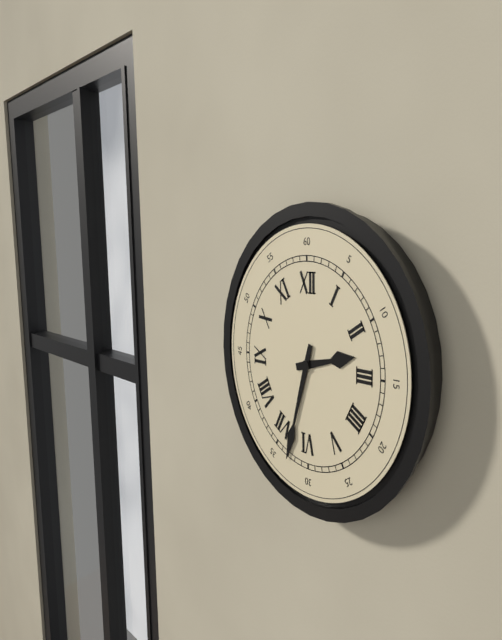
2 h 33 min
